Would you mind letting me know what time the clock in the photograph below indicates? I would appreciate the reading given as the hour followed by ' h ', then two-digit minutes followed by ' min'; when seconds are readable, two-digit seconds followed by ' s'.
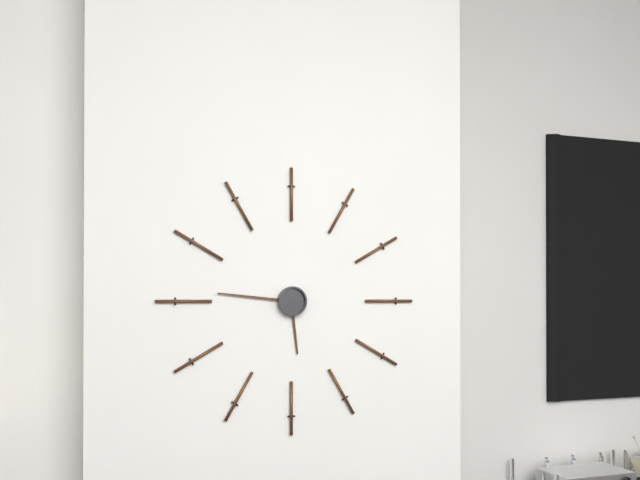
5 h 46 min
